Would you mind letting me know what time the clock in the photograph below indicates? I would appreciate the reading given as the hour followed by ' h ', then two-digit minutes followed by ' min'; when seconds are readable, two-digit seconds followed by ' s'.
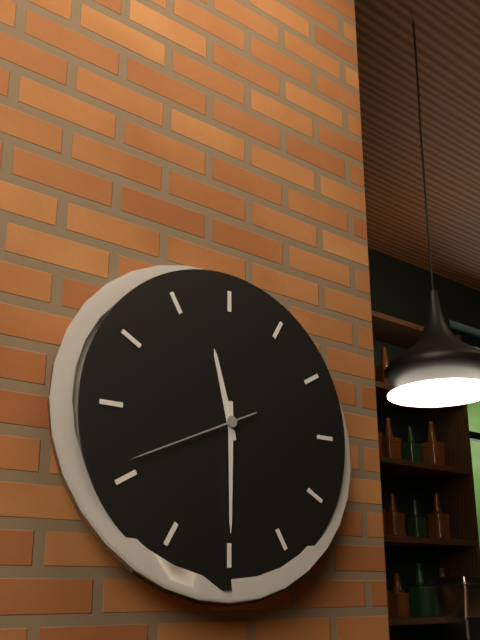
11 h 30 min 41 s
